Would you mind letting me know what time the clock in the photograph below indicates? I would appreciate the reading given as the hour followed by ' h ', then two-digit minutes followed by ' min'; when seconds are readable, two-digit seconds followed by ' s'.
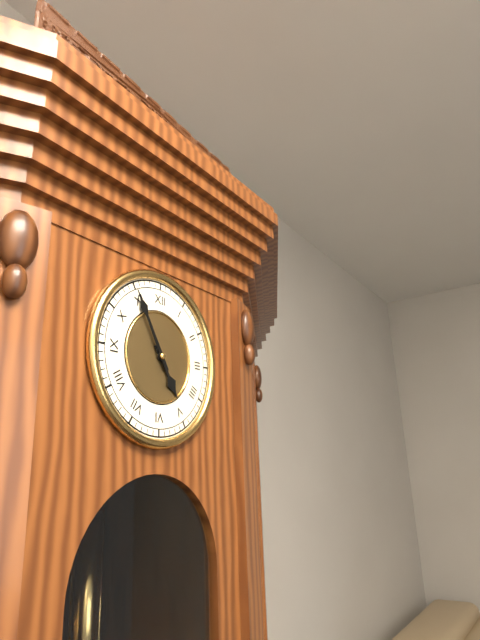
4 h 55 min
